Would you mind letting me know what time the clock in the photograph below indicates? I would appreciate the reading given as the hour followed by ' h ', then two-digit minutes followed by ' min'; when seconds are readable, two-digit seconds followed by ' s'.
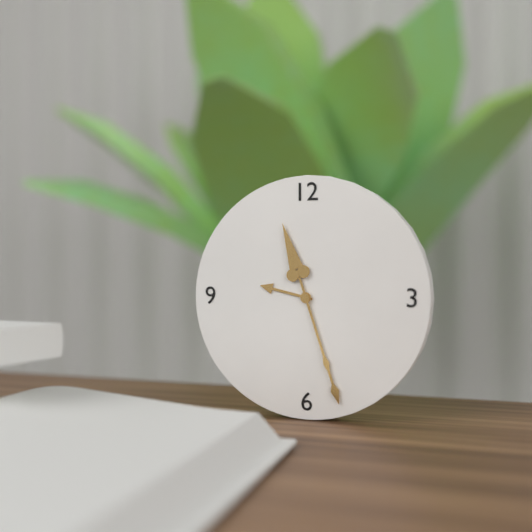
9 h 27 min
